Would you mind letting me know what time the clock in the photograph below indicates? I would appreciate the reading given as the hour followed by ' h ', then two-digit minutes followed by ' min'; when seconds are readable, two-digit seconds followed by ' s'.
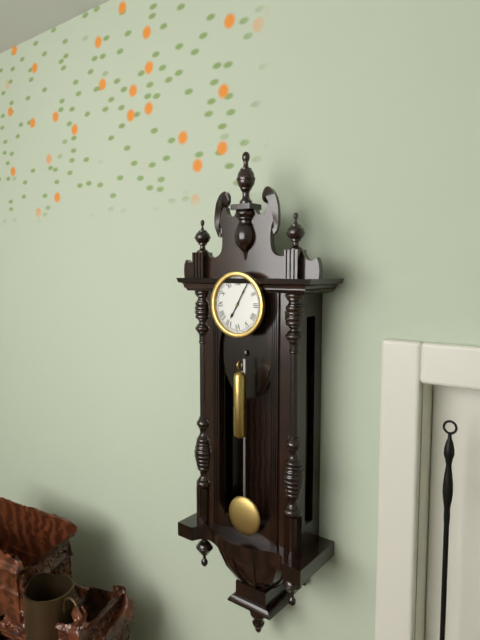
7 h 05 min
